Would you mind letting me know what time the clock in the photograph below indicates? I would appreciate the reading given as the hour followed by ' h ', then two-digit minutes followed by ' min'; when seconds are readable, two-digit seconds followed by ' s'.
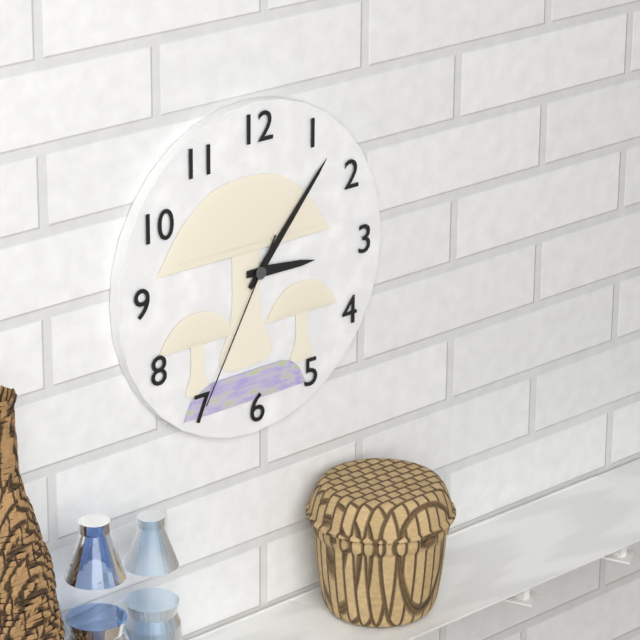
3 h 07 min 35 s
